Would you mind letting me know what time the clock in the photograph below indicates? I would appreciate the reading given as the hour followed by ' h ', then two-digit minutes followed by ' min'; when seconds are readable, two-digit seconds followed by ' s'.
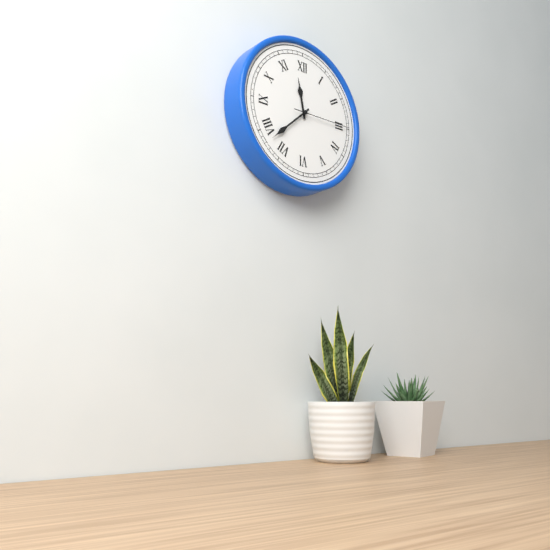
11 h 38 min 15 s
